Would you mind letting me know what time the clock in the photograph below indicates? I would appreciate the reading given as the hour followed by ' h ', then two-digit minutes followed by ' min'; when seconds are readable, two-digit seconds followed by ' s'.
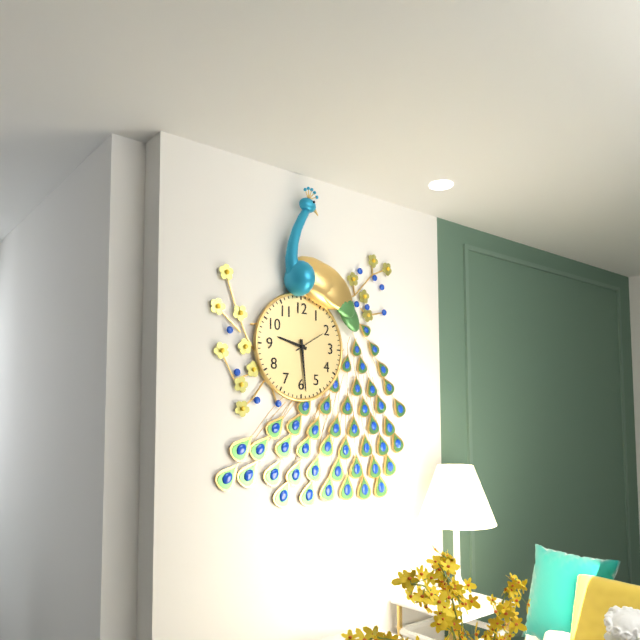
9 h 29 min
